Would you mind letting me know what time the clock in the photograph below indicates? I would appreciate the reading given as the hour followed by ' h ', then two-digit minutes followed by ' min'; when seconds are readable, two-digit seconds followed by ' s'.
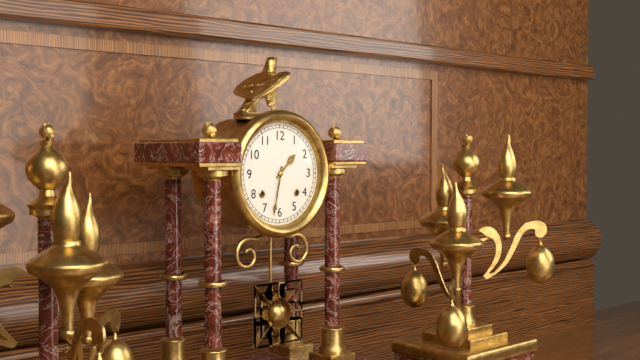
1 h 32 min
